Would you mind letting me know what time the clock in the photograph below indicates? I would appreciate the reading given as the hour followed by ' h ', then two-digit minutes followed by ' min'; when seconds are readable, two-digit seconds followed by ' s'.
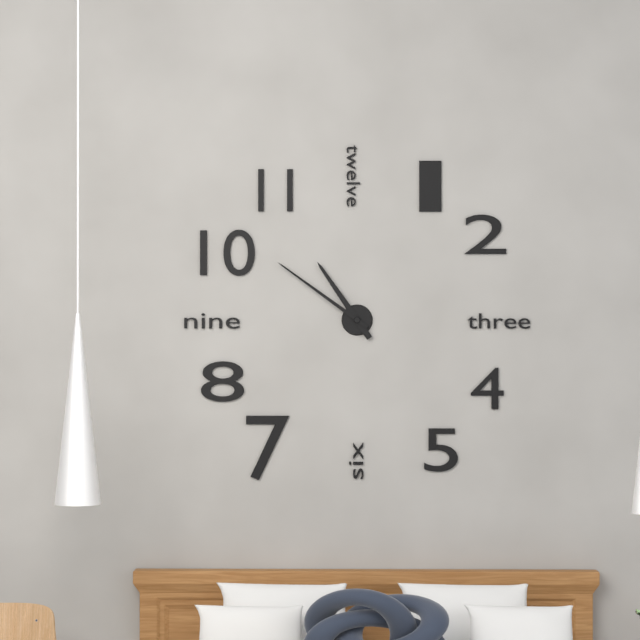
10 h 51 min
